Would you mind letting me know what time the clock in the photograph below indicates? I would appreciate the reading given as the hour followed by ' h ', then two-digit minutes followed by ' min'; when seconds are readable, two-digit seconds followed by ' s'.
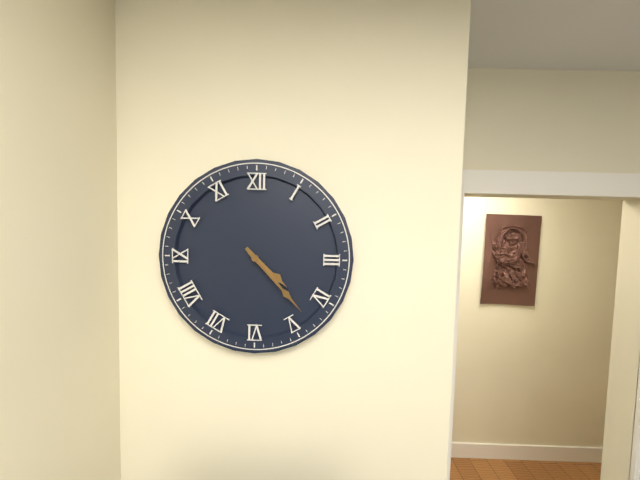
4 h 23 min
